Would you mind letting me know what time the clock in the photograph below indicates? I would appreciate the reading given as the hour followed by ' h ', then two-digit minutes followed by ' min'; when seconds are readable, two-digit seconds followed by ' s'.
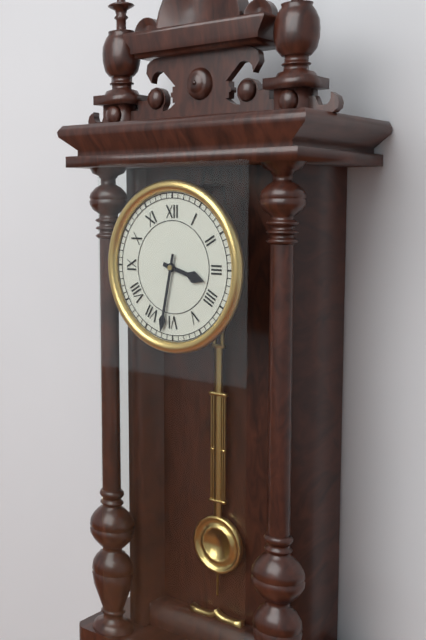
3 h 32 min
